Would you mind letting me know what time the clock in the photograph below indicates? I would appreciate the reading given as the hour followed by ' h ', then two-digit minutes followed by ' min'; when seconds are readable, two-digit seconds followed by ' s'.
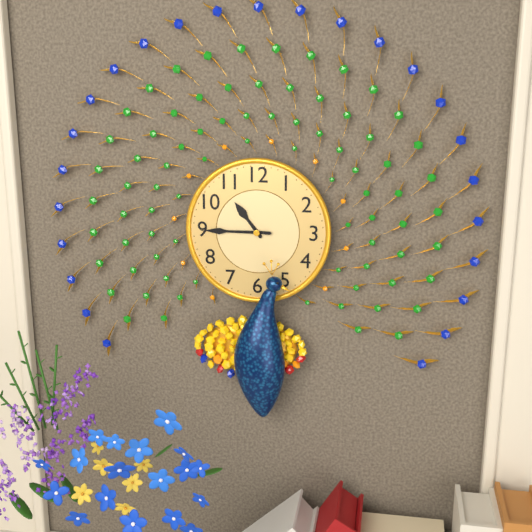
10 h 45 min 45 s
